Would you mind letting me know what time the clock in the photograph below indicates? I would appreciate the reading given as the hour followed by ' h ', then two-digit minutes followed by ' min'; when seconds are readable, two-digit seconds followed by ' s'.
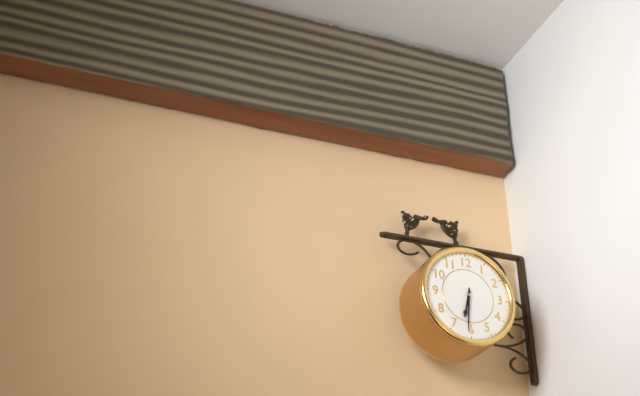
6 h 31 min
